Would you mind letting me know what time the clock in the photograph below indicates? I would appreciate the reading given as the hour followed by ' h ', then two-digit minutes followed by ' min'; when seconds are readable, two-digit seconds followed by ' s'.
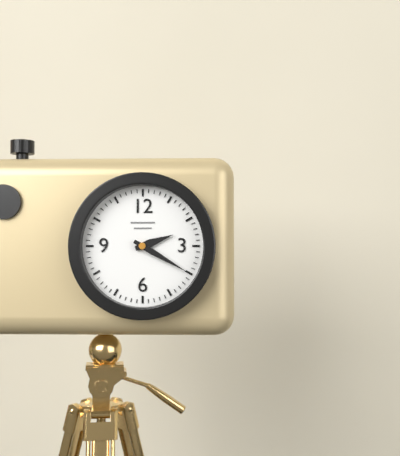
2 h 20 min
